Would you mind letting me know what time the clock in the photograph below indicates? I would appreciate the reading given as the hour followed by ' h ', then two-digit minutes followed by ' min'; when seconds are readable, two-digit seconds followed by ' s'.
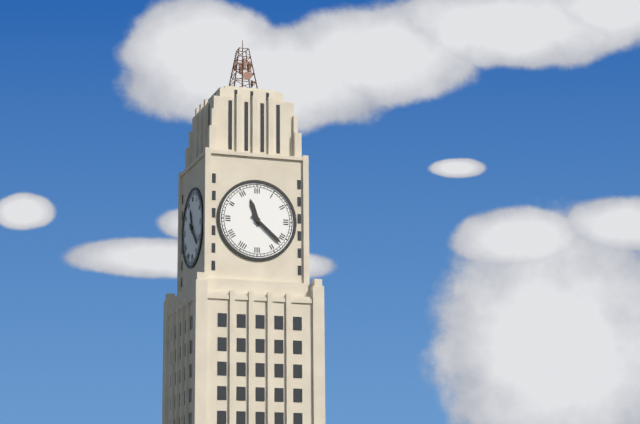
11 h 22 min
